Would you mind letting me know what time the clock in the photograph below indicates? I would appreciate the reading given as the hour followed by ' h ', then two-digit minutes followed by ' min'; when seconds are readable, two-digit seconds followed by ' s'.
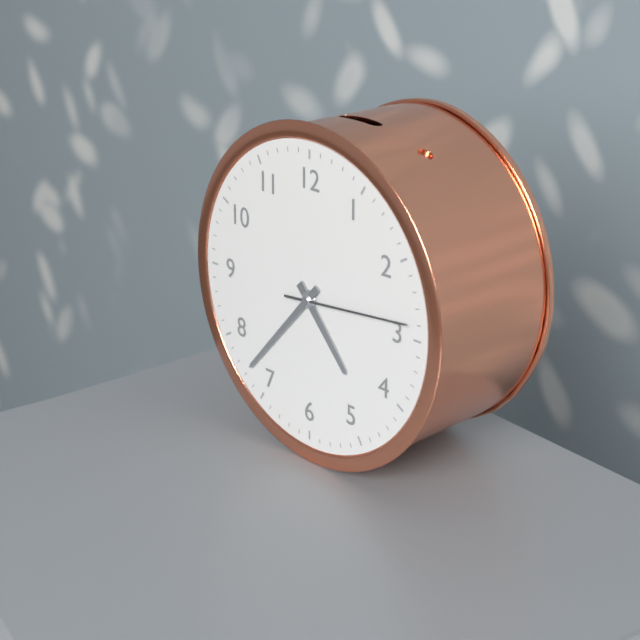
4 h 37 min 14 s
